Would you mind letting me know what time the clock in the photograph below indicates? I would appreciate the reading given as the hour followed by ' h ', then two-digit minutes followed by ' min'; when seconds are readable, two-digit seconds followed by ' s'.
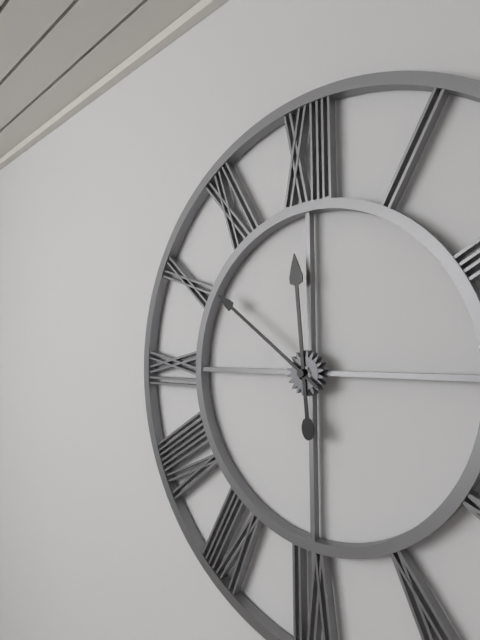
11 h 51 min
